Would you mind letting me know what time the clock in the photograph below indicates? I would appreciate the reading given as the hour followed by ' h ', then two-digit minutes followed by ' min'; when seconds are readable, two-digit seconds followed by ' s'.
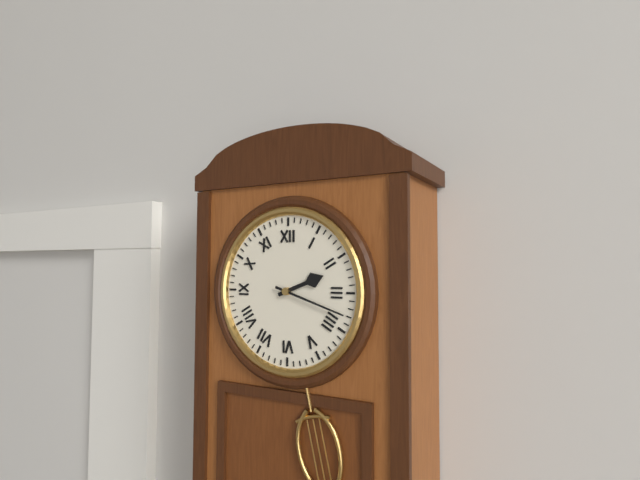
2 h 18 min
